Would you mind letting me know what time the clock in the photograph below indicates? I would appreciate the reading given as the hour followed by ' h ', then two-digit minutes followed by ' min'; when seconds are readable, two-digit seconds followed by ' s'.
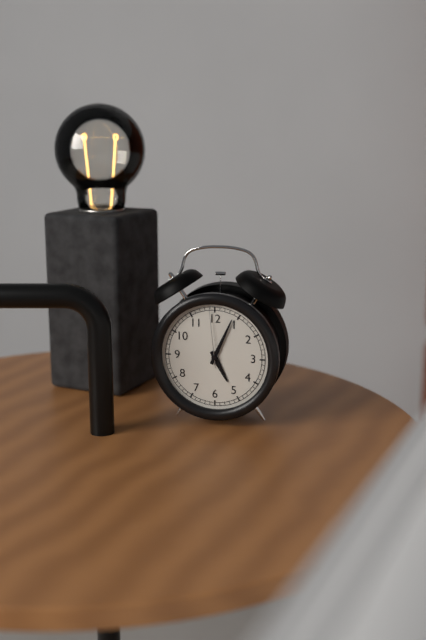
5 h 04 min 59 s
